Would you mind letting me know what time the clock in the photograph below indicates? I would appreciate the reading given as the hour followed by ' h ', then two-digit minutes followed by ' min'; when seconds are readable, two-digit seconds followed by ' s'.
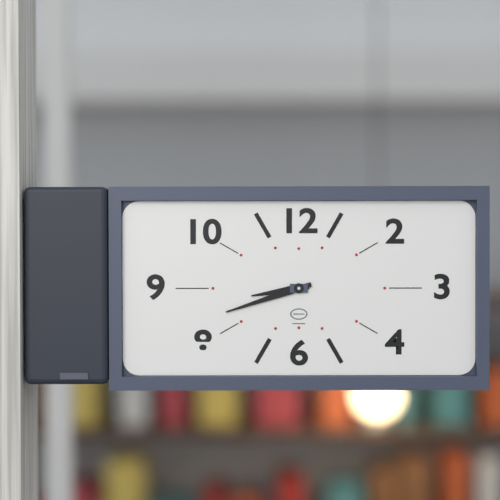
8 h 42 min
